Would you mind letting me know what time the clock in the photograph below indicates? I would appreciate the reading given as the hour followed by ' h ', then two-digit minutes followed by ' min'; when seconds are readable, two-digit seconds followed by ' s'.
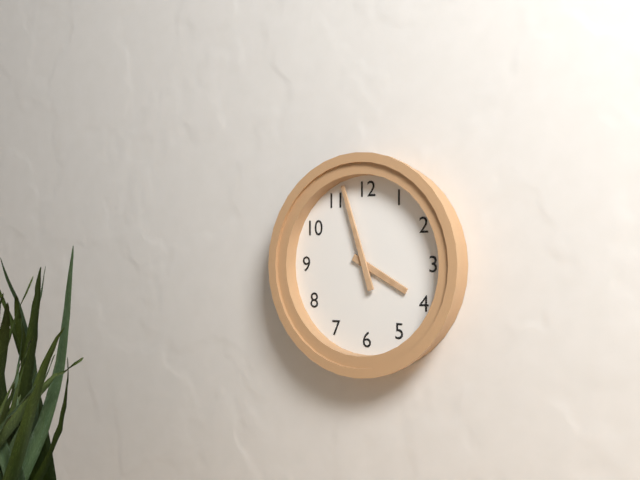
3 h 57 min
